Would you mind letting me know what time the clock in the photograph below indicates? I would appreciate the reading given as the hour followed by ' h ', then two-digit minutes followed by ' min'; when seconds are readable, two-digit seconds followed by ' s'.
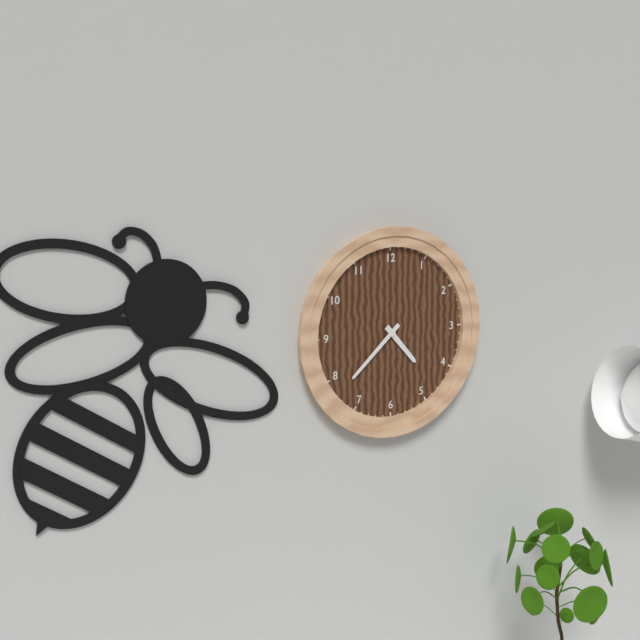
4 h 38 min
